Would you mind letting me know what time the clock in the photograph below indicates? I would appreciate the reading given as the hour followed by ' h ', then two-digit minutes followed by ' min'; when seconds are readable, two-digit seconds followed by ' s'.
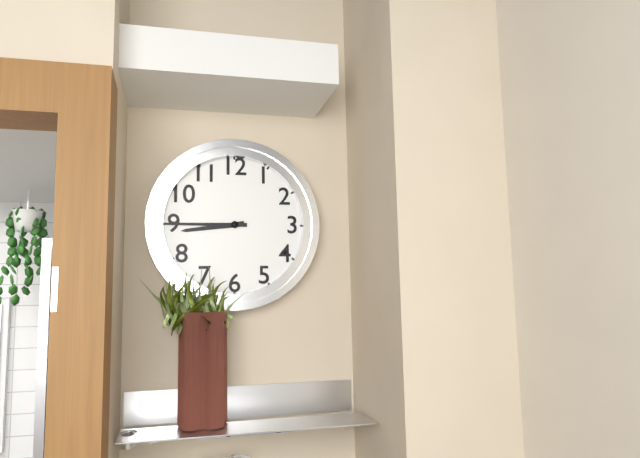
8 h 45 min
